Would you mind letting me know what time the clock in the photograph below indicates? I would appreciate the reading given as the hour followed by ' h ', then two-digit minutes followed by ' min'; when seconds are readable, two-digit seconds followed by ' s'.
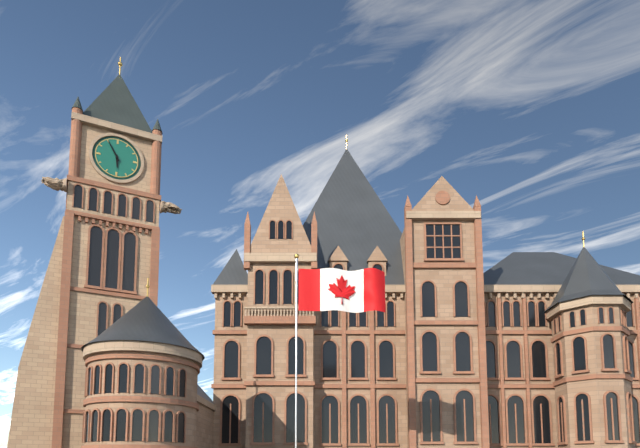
5 h 55 min
